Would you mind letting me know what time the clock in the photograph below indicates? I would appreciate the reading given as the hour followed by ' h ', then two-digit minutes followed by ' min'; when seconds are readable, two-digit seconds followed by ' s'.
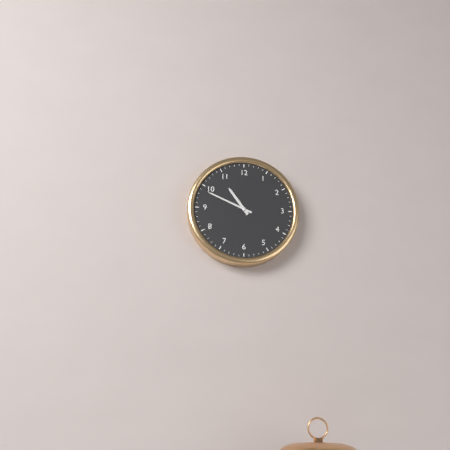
10 h 49 min
